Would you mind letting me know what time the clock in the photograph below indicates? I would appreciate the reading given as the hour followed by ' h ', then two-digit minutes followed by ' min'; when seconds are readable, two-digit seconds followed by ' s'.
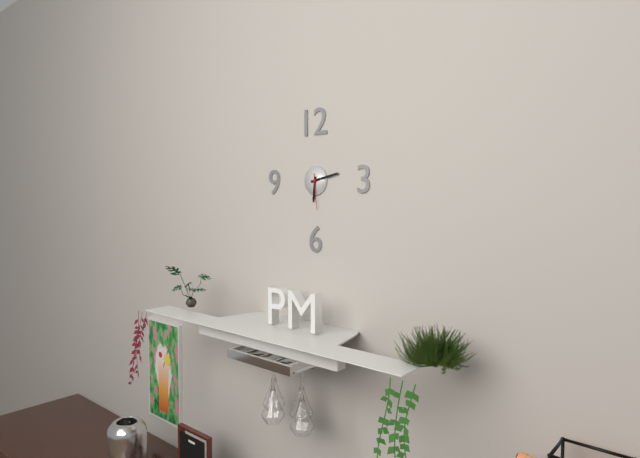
6 h 13 min
